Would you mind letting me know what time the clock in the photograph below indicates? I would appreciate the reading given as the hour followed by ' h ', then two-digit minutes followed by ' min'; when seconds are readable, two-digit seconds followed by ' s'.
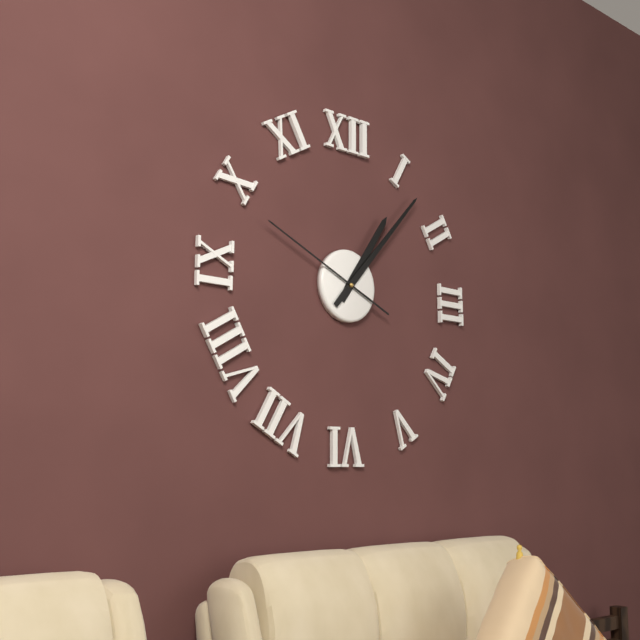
1 h 07 min 49 s
